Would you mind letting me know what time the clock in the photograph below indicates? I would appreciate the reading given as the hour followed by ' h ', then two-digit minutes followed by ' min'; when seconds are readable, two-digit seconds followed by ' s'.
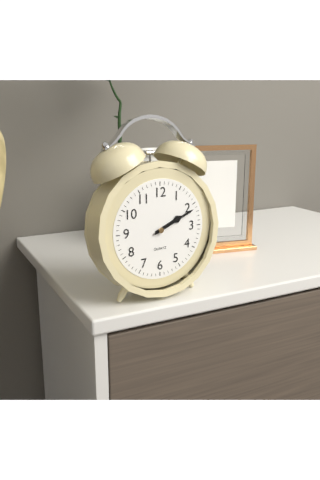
2 h 11 min
